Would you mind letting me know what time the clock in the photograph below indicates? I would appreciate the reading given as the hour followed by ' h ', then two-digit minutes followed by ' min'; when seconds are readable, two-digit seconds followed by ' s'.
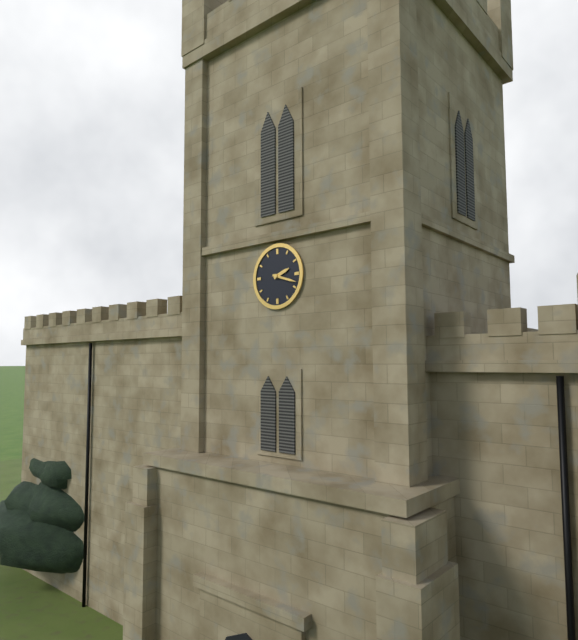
2 h 18 min
